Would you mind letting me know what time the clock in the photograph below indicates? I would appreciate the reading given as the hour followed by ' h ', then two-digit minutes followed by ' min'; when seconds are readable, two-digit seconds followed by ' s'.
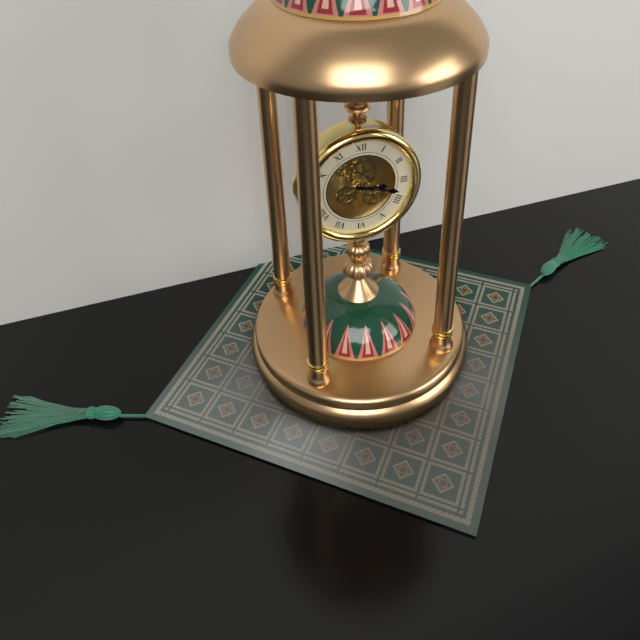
3 h 18 min
